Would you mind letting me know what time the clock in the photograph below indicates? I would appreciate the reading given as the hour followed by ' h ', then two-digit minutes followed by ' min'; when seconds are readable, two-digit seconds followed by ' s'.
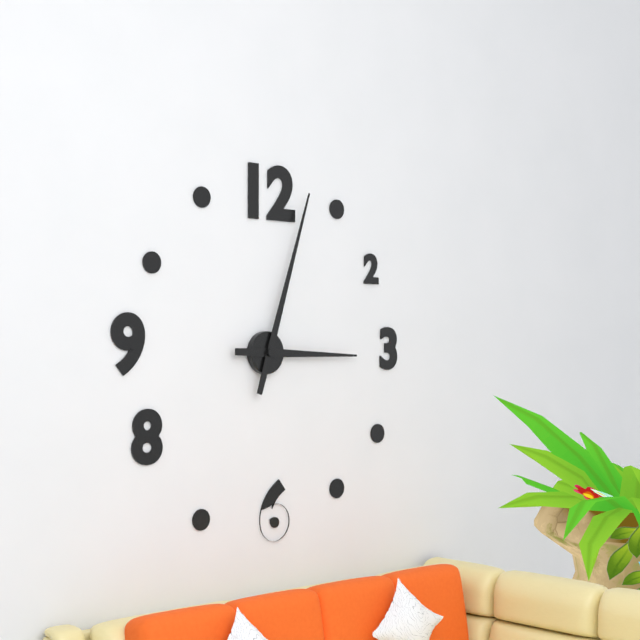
3 h 03 min
